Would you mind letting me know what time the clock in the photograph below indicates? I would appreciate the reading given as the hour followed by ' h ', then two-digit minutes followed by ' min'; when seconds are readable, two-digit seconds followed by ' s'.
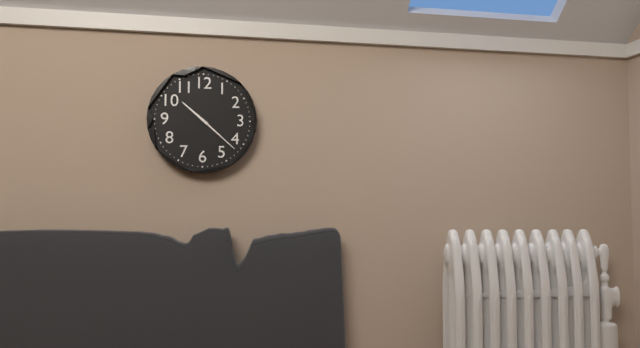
10 h 22 min
